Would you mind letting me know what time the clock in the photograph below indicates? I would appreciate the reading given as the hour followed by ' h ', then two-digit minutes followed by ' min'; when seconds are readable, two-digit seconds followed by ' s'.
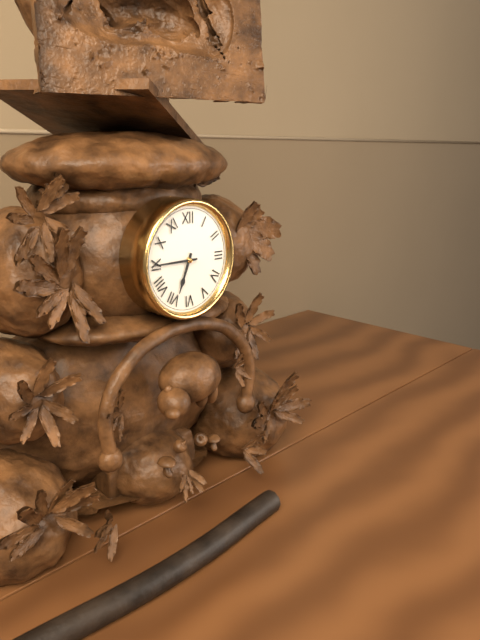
6 h 45 min
